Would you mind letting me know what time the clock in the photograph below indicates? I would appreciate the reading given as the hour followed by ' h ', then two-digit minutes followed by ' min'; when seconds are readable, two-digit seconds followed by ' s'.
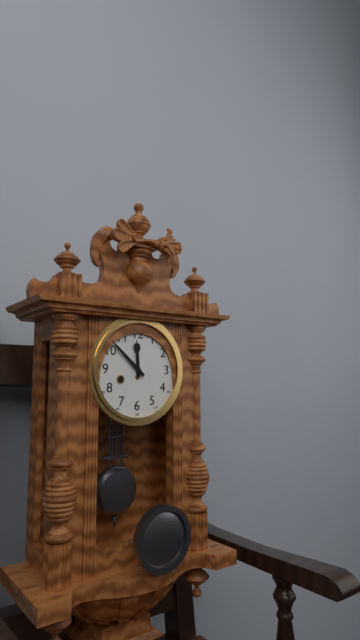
11 h 52 min
